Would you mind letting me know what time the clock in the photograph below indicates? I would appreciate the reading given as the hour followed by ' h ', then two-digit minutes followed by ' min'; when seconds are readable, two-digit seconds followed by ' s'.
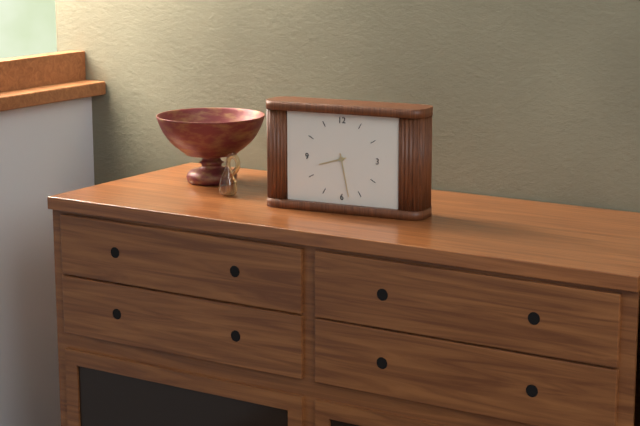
8 h 28 min
